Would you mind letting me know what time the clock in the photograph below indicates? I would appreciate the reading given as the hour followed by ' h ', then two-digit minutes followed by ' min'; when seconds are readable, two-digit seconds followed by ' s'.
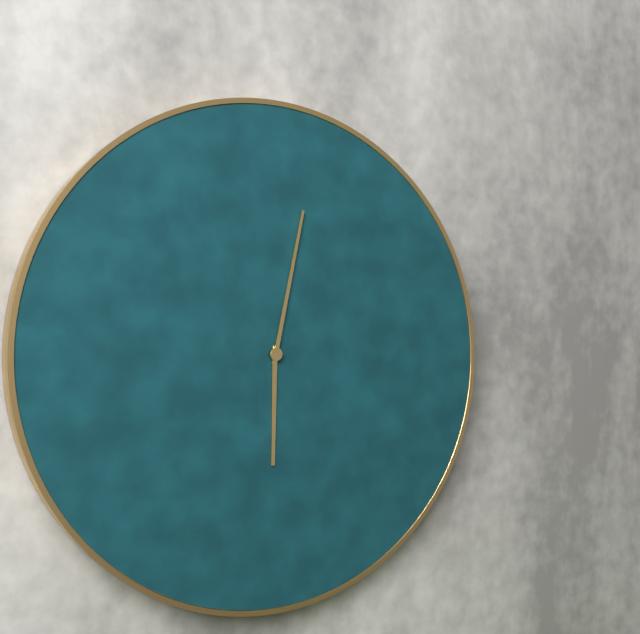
6 h 02 min
